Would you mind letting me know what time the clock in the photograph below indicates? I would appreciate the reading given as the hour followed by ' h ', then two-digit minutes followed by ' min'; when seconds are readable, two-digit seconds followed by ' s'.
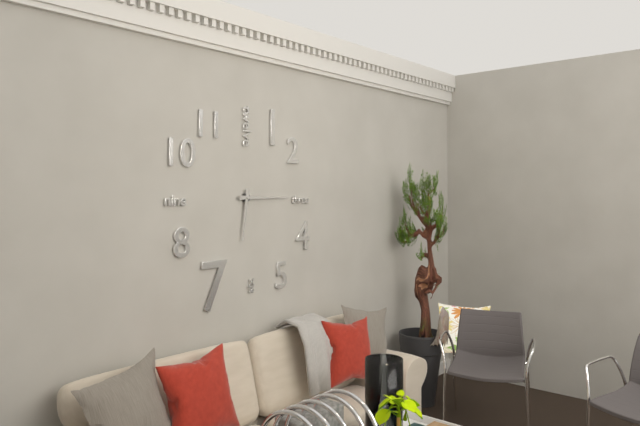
6 h 15 min
